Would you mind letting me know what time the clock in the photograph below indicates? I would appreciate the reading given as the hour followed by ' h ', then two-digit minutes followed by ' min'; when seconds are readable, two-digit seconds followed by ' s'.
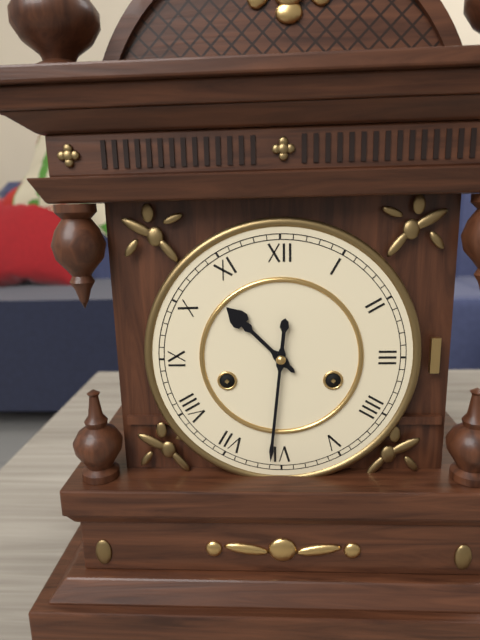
10 h 31 min
